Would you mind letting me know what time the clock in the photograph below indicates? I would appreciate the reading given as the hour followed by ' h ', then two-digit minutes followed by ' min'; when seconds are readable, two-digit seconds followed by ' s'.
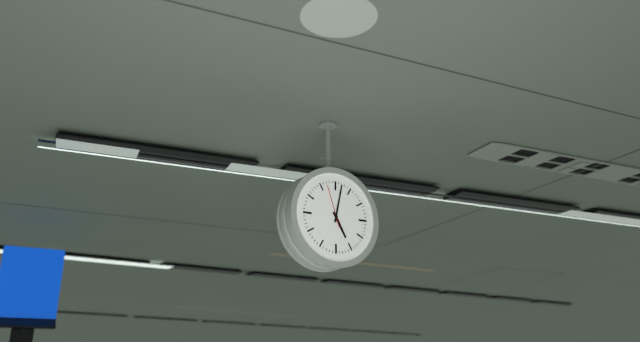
5 h 02 min
